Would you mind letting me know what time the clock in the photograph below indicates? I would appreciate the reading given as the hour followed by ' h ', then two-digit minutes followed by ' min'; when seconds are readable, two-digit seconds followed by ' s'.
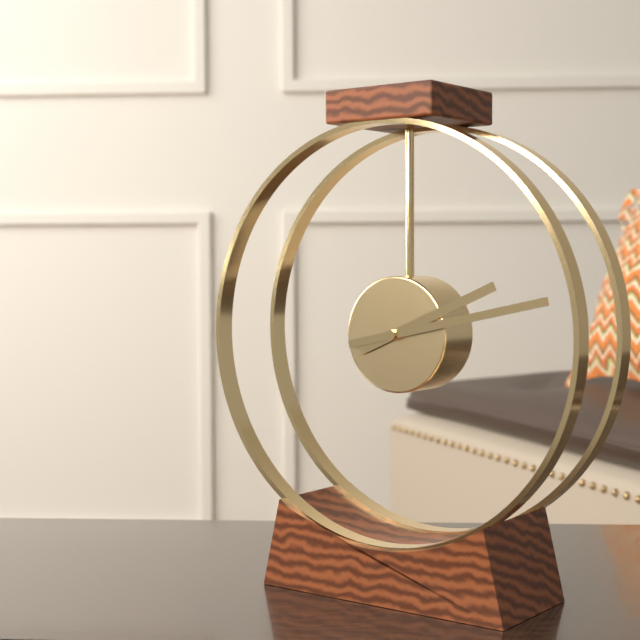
2 h 13 min
